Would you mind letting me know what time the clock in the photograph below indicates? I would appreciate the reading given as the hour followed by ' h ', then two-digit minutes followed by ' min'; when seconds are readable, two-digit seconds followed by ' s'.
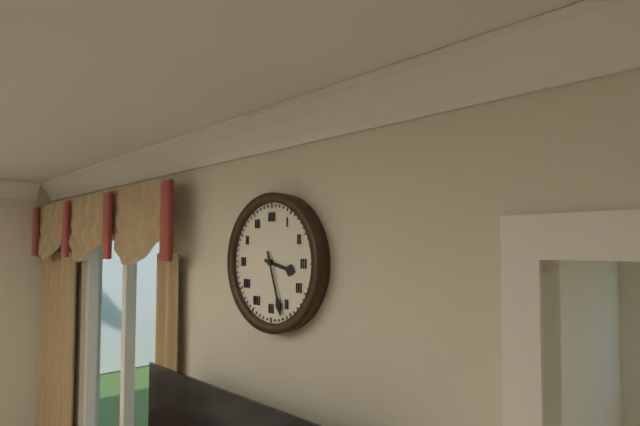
3 h 27 min
